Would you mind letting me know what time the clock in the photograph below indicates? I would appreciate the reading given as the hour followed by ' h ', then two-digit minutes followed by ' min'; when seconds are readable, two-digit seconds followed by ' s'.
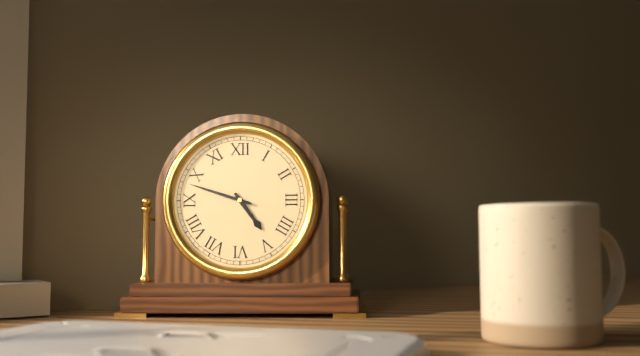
4 h 48 min
